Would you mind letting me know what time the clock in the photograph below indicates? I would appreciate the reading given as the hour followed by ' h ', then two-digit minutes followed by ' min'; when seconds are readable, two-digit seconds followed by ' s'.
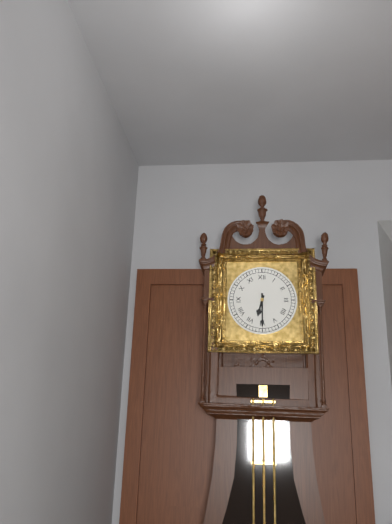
6 h 30 min
